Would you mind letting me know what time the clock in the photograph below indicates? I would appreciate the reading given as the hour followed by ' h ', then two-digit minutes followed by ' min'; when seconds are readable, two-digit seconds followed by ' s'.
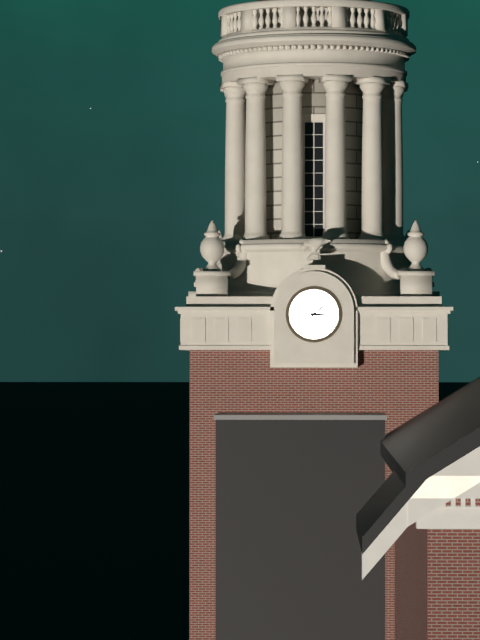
3 h 08 min
